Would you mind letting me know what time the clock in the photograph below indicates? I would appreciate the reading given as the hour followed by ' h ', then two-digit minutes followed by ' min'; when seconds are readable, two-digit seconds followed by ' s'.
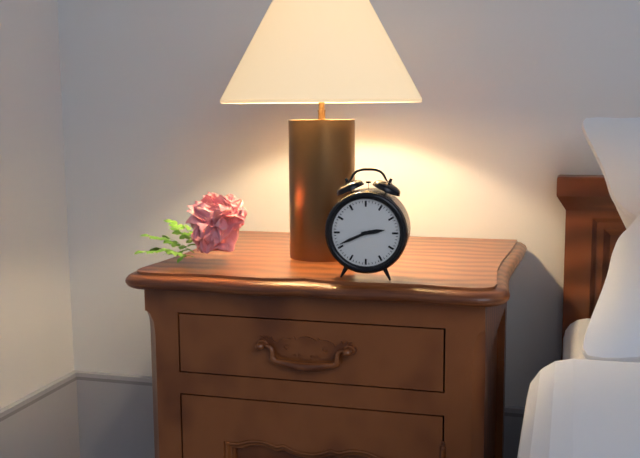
2 h 41 min
